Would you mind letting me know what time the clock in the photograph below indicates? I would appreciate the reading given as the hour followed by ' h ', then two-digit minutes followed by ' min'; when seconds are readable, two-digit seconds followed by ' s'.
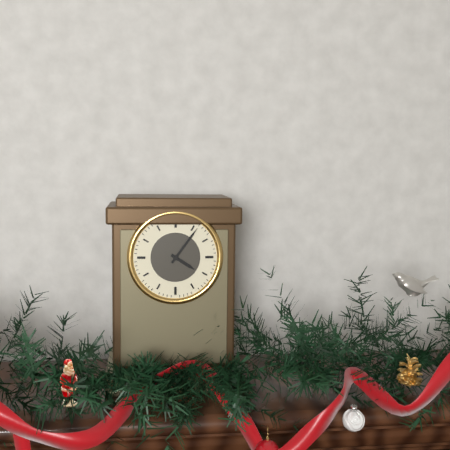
4 h 06 min
